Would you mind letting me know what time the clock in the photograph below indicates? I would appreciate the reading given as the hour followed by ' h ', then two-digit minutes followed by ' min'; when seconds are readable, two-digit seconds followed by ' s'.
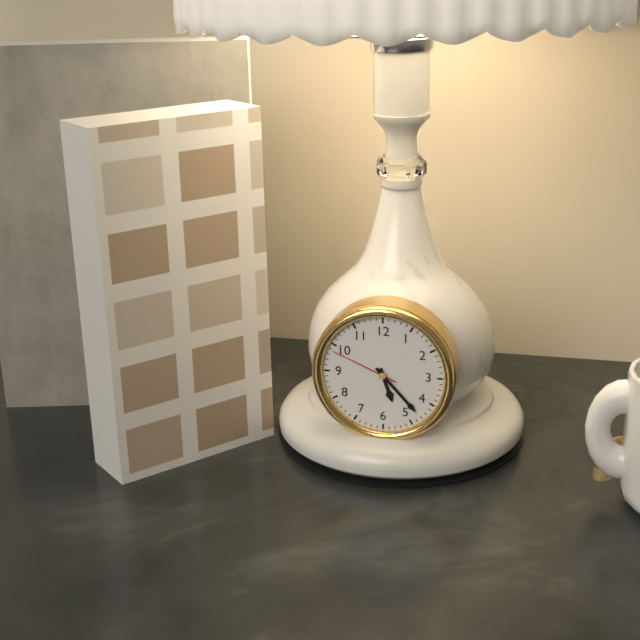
5 h 23 min 49 s
